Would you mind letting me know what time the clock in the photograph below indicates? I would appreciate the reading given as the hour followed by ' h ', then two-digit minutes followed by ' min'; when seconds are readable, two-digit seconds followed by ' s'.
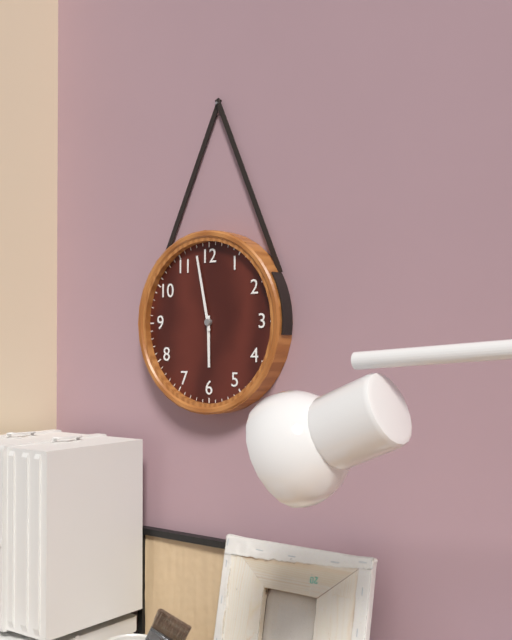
5 h 58 min
